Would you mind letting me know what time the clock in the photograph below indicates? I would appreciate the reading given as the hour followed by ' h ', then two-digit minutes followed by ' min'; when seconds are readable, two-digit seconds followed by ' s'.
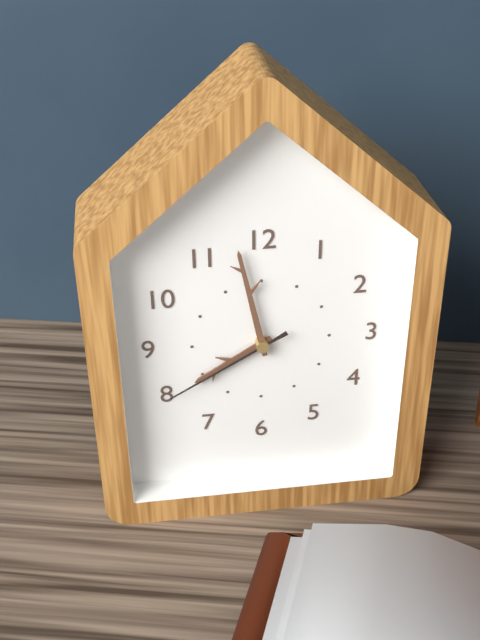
7 h 58 min 40 s
